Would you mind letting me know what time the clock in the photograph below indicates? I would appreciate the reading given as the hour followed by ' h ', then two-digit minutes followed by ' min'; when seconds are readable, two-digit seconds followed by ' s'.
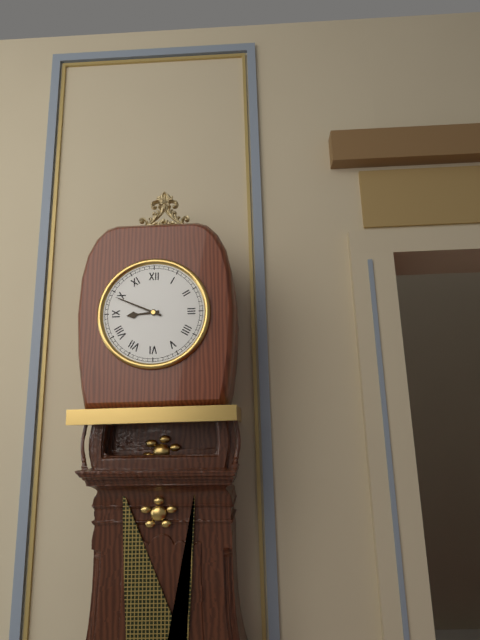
8 h 49 min
